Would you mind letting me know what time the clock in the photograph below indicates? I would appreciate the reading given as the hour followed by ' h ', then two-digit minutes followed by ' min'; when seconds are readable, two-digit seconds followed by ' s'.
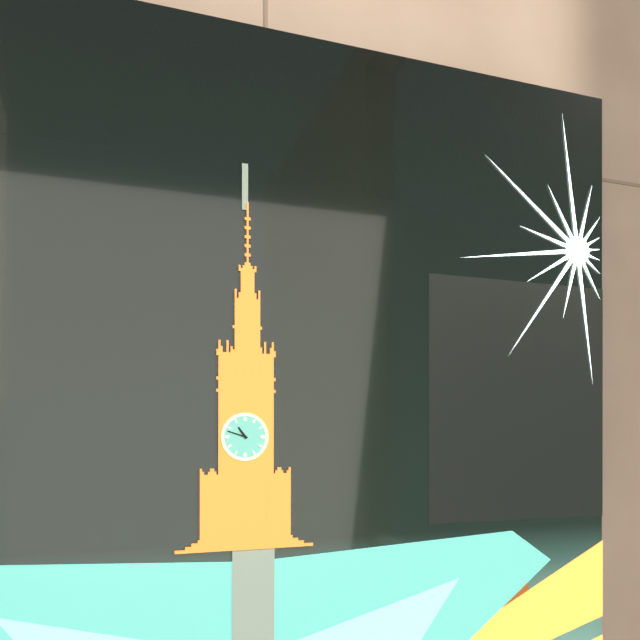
10 h 48 min
